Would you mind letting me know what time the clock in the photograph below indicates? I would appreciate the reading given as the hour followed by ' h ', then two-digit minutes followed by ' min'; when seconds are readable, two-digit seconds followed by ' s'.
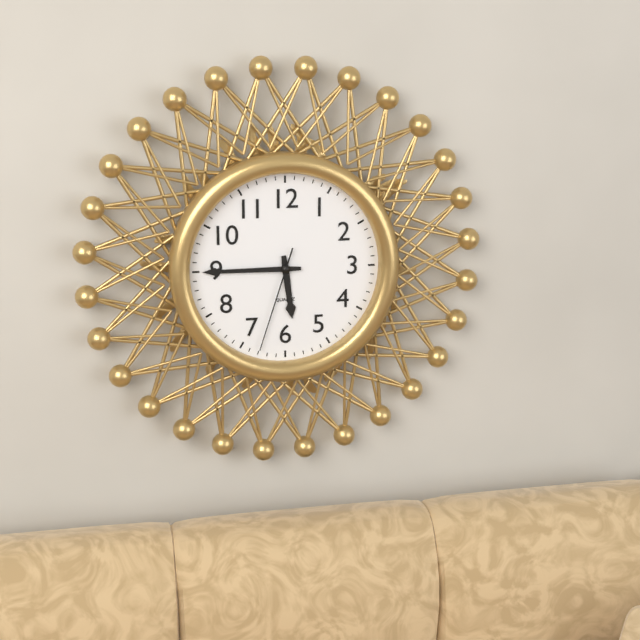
5 h 45 min 33 s
